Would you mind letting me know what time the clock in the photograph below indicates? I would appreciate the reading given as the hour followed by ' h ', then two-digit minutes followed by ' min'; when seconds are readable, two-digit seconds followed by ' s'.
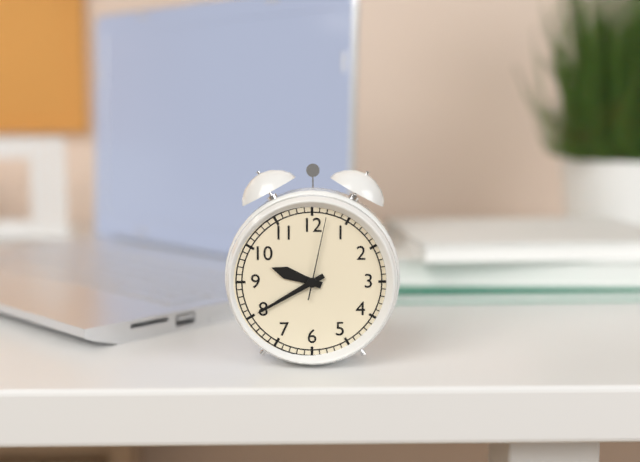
9 h 40 min 02 s
